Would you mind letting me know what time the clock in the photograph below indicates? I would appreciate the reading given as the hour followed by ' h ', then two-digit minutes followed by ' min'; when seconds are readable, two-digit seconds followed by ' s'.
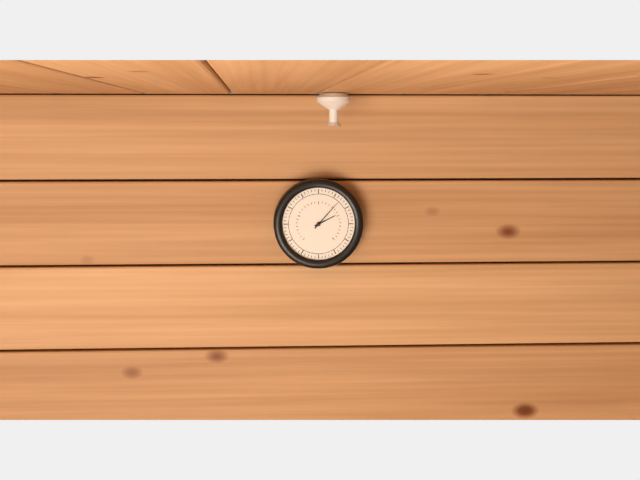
2 h 07 min
